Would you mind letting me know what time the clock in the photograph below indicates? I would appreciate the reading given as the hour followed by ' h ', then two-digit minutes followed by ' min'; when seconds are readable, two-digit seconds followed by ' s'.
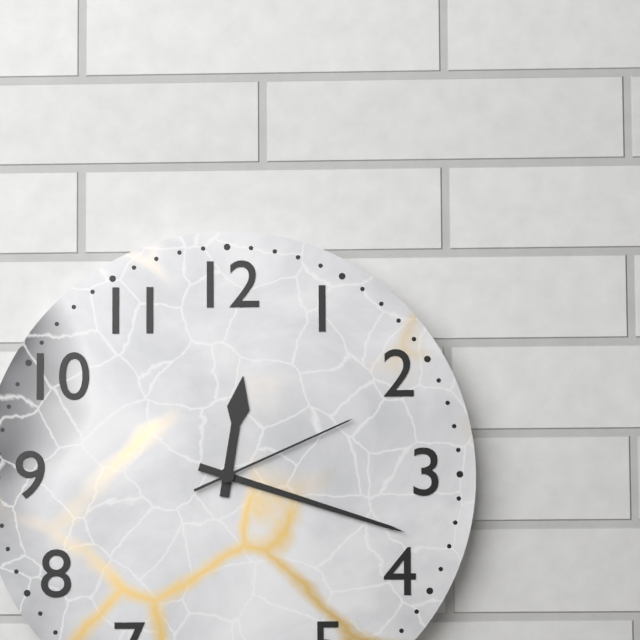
12 h 18 min 11 s
